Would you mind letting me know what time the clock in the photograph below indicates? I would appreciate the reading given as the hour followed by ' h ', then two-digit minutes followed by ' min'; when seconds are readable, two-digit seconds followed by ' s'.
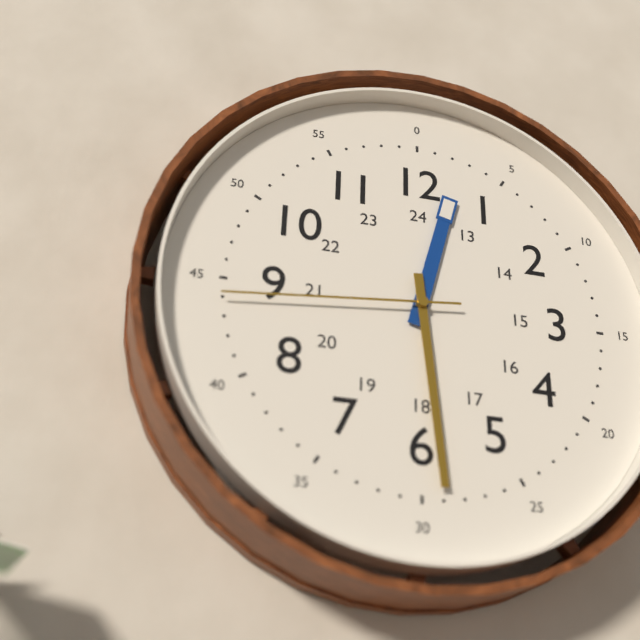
12 h 29 min 44 s
